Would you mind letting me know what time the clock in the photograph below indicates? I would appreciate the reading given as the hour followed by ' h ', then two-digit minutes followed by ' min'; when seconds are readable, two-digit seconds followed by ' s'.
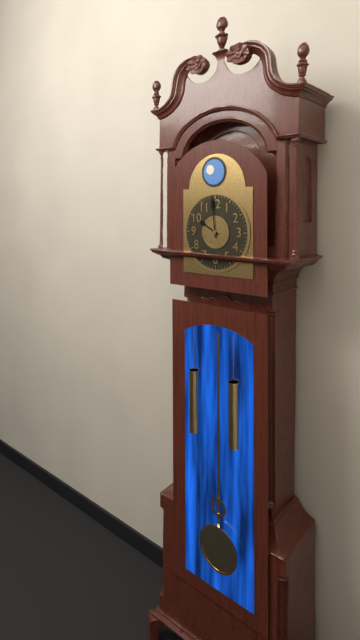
9 h 59 min
